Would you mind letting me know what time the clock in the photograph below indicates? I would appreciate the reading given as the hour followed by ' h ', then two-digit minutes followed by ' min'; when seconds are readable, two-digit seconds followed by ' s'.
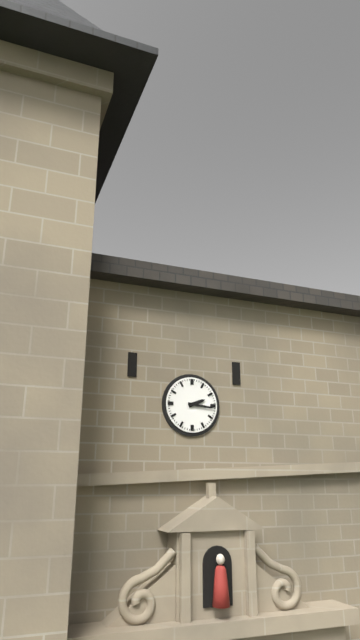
2 h 16 min
